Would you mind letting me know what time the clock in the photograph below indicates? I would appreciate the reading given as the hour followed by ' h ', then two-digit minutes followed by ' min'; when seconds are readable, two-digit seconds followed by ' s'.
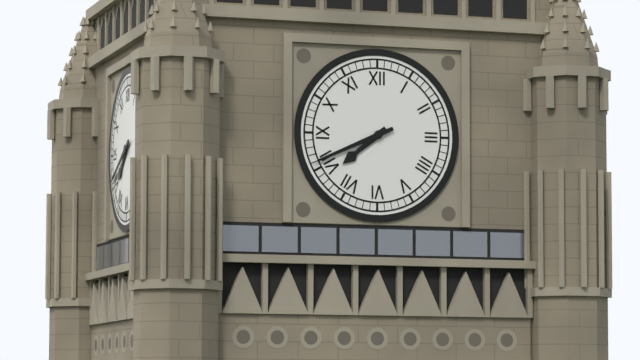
7 h 41 min
